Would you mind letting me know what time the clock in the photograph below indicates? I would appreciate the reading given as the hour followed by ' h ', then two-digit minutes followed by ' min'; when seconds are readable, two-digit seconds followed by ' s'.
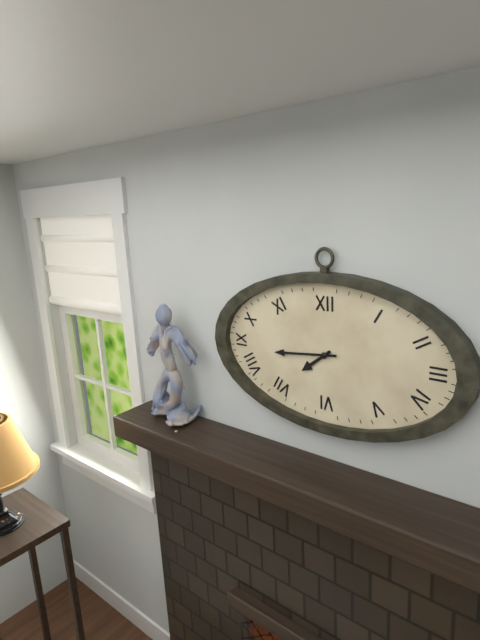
7 h 44 min
